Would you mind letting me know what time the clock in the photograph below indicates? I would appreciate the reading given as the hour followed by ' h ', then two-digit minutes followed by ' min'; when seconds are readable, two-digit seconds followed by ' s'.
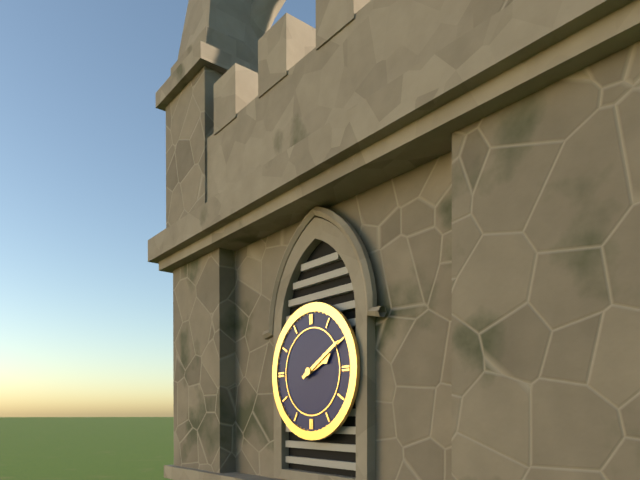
2 h 10 min
